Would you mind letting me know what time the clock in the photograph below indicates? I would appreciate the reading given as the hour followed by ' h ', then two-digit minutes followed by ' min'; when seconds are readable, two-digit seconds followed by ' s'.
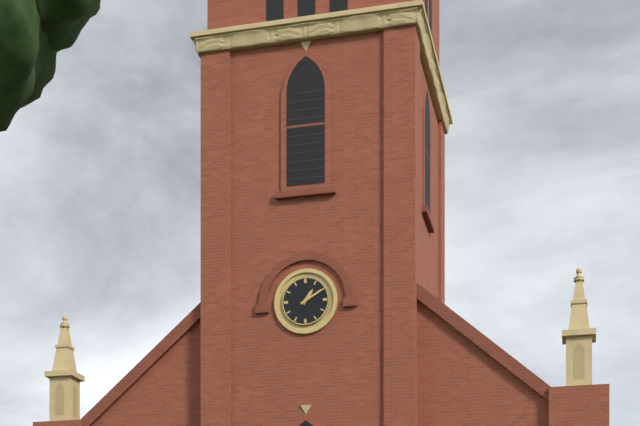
1 h 10 min
